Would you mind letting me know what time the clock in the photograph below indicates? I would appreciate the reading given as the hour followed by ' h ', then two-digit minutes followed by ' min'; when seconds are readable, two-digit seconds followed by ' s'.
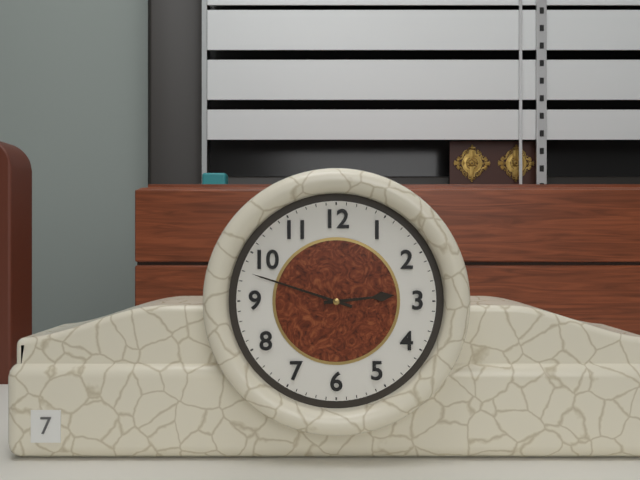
2 h 48 min
